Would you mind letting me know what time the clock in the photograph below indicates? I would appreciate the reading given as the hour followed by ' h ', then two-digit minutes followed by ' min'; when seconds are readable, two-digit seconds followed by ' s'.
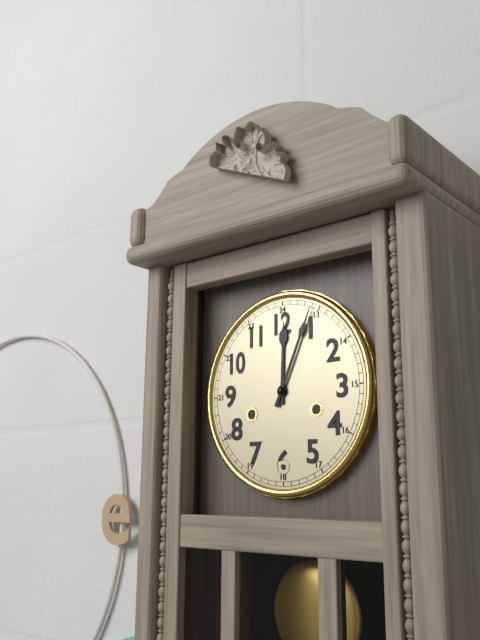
12 h 04 min
